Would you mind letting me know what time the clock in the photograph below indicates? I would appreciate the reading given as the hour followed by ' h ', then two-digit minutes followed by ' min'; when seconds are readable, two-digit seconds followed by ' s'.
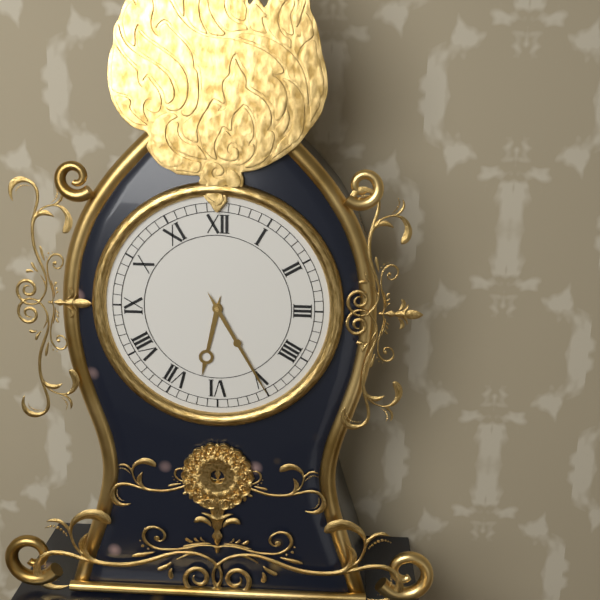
6 h 25 min
